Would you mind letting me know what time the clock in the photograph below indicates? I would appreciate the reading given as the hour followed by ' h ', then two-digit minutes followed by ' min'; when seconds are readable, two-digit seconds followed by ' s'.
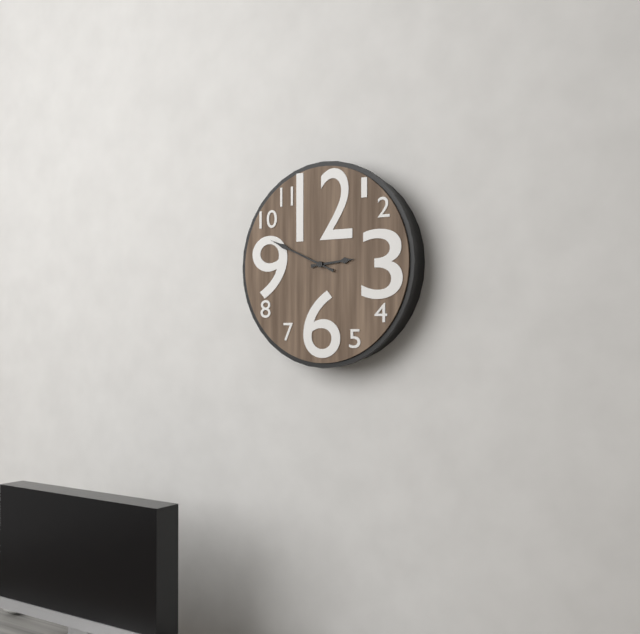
2 h 49 min
